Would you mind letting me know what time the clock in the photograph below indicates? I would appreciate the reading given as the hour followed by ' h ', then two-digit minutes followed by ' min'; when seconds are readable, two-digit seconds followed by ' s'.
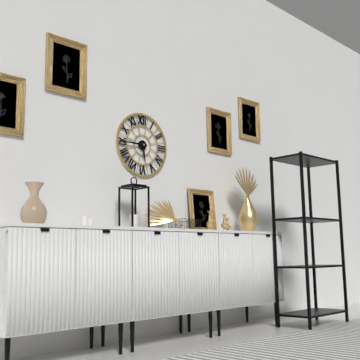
5 h 45 min
